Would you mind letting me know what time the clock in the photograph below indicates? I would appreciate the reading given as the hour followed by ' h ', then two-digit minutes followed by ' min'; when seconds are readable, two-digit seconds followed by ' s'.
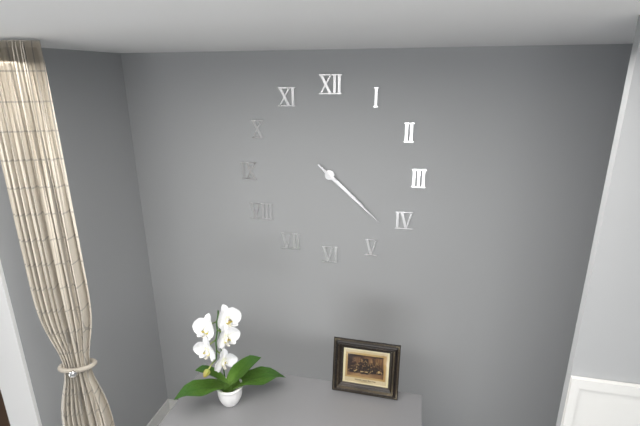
4 h 22 min
